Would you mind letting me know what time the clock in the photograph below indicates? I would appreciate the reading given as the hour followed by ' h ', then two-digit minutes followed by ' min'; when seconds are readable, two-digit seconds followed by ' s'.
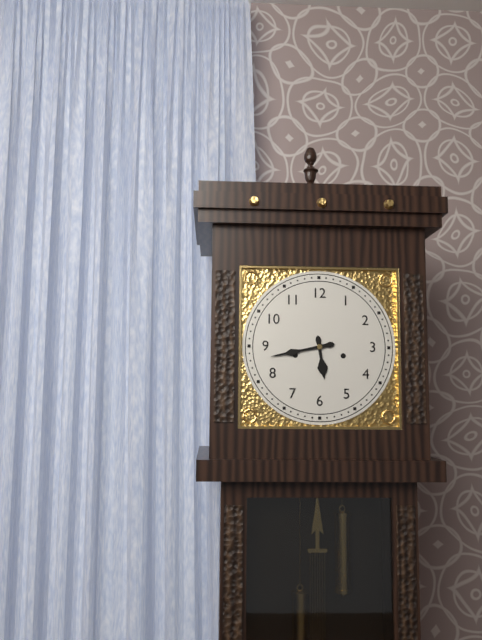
5 h 43 min
